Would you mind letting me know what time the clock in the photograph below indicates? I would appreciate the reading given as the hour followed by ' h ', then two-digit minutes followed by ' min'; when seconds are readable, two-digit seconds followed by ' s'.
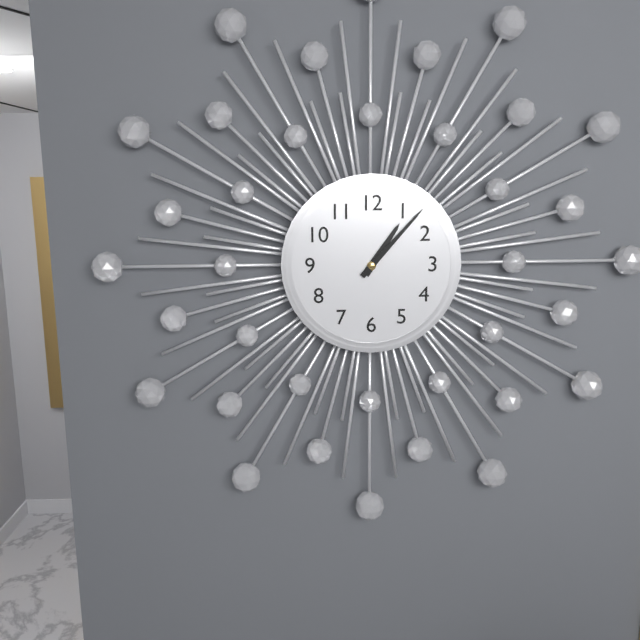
1 h 07 min
